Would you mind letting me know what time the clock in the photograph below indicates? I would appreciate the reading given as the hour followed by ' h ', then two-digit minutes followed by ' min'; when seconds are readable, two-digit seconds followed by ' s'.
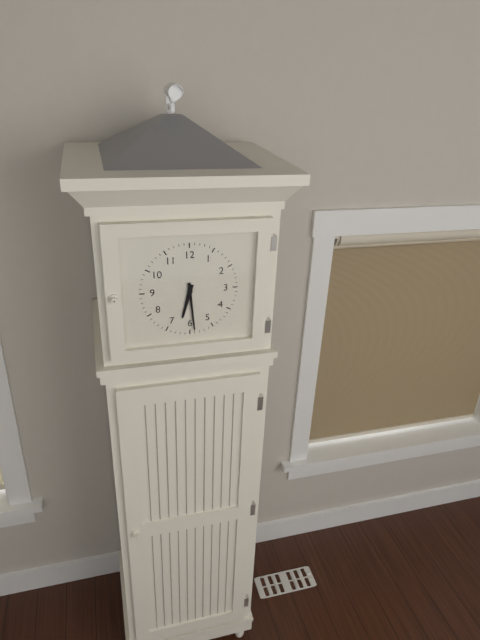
6 h 29 min
